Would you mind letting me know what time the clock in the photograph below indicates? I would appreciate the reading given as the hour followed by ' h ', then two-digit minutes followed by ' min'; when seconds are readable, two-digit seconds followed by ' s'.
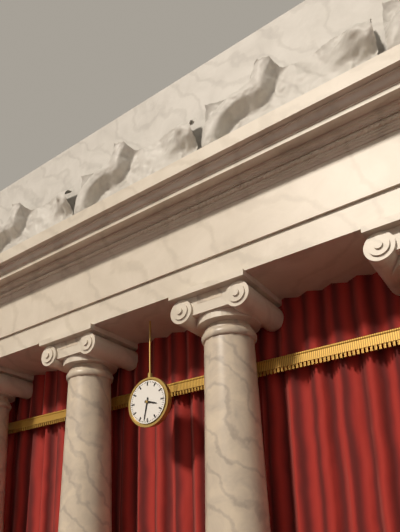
3 h 32 min
